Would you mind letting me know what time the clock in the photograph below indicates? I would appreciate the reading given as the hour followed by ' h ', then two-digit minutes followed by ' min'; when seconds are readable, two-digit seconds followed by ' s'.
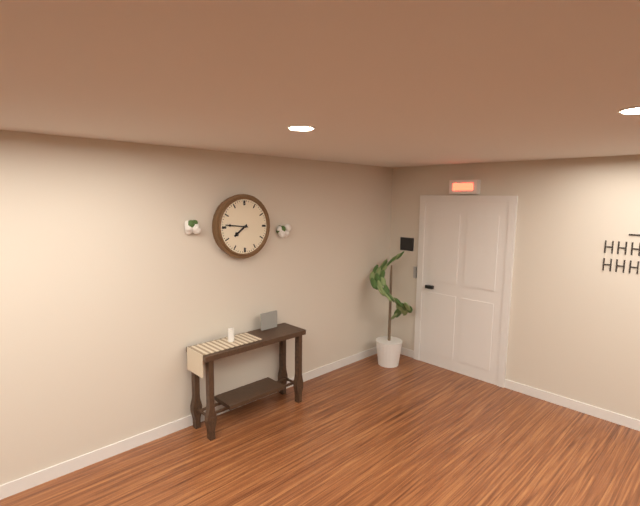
7 h 46 min
